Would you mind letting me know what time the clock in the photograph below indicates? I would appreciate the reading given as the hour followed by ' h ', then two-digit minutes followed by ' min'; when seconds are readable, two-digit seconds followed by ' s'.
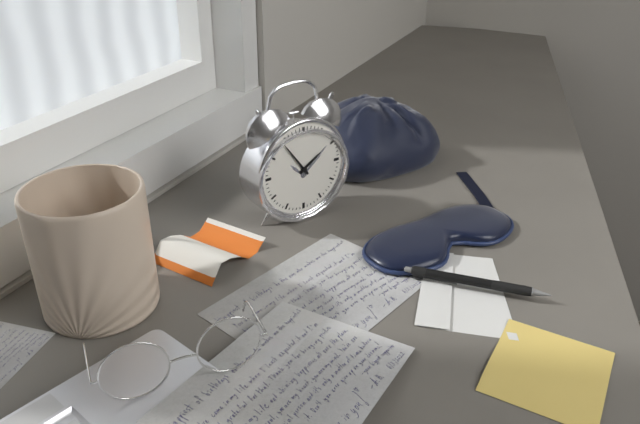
1 h 54 min
